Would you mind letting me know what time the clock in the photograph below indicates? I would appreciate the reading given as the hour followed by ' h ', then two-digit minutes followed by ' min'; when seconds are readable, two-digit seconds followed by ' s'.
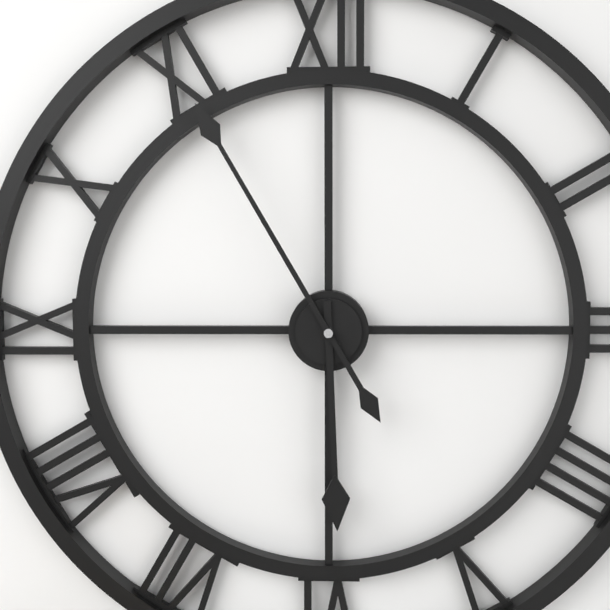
5 h 55 min
